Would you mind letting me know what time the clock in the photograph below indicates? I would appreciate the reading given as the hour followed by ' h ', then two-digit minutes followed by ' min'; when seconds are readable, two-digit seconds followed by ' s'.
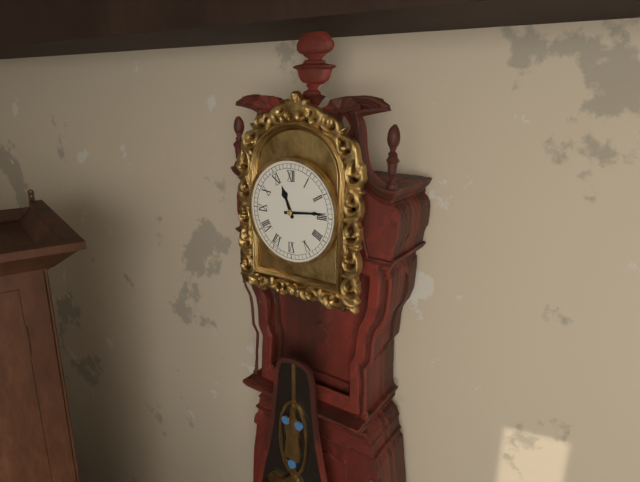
11 h 14 min
